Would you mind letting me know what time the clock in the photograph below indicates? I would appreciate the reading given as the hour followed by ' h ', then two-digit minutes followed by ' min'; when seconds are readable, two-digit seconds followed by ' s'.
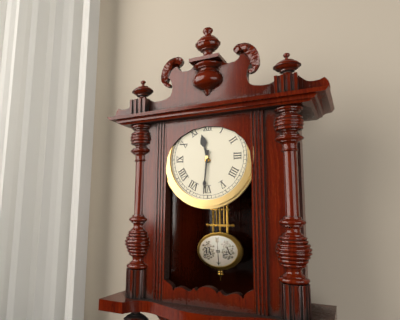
11 h 31 min
